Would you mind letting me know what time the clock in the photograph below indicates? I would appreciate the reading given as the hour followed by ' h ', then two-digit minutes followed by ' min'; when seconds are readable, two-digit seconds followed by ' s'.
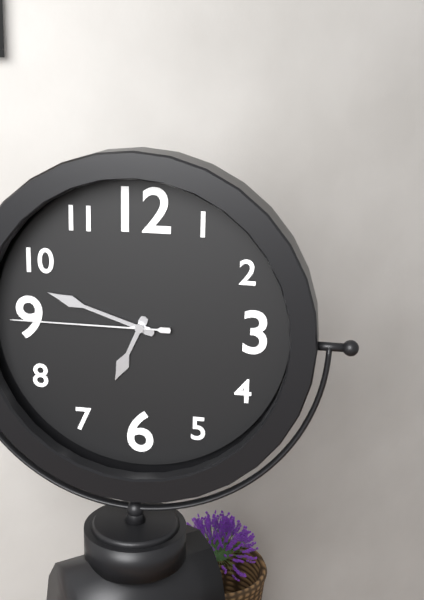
6 h 48 min 45 s
